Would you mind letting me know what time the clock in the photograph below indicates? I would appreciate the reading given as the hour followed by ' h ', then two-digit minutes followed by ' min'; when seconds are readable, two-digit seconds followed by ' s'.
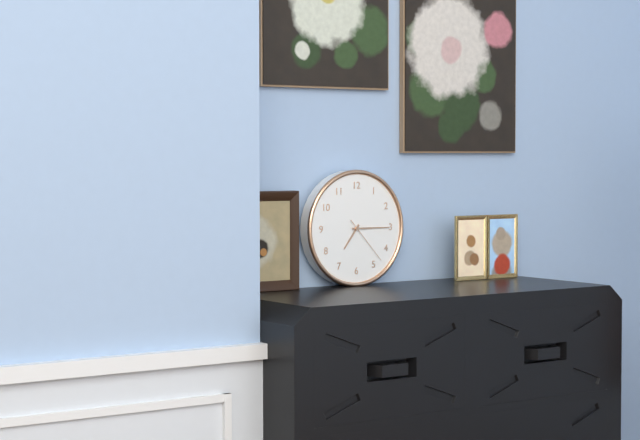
7 h 15 min
